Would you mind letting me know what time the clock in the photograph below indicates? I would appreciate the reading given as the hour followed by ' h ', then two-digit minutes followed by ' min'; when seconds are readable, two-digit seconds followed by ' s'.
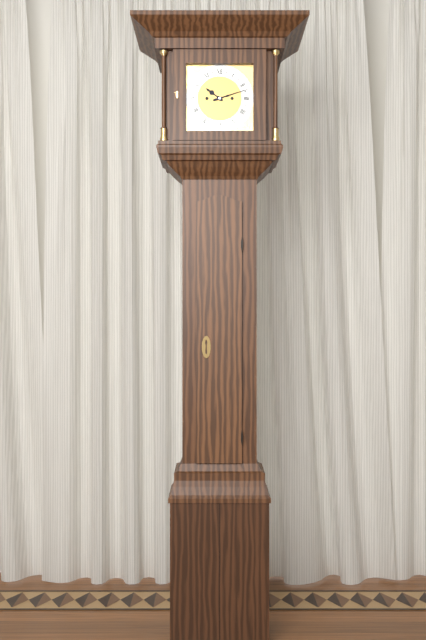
10 h 12 min
